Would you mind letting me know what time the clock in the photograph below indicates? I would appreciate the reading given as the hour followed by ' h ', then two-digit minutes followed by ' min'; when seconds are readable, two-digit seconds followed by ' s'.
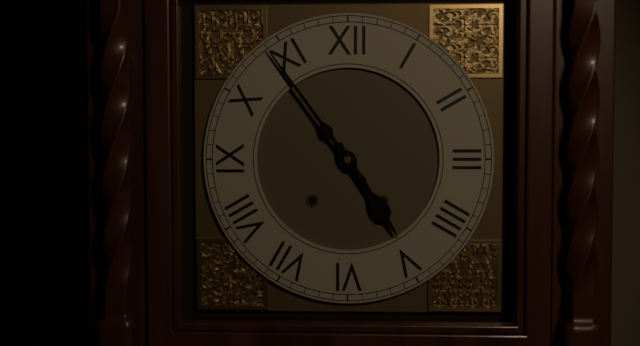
4 h 54 min
